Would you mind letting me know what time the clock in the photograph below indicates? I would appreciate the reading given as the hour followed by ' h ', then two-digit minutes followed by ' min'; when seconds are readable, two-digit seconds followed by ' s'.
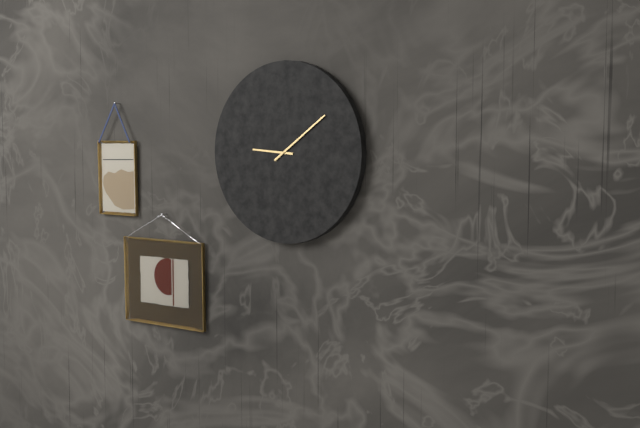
9 h 09 min
